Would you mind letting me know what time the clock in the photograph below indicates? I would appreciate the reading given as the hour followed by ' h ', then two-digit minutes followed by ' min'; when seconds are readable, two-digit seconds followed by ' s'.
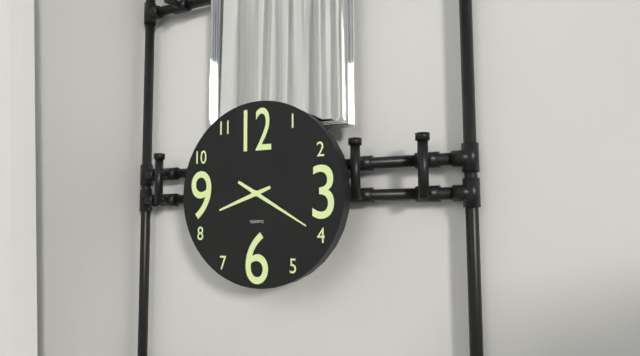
8 h 20 min
